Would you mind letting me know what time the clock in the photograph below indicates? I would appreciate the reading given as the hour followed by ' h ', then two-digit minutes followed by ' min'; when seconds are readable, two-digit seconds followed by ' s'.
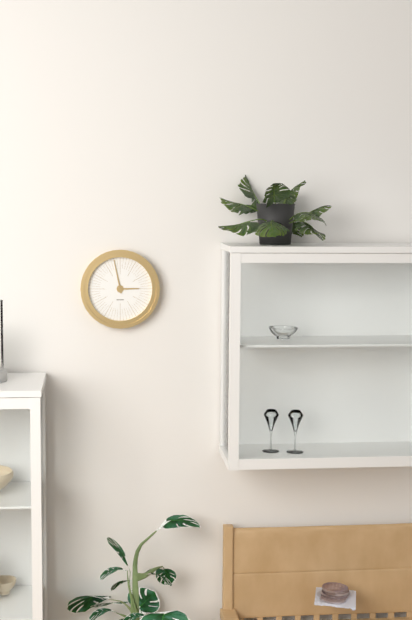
2 h 58 min
